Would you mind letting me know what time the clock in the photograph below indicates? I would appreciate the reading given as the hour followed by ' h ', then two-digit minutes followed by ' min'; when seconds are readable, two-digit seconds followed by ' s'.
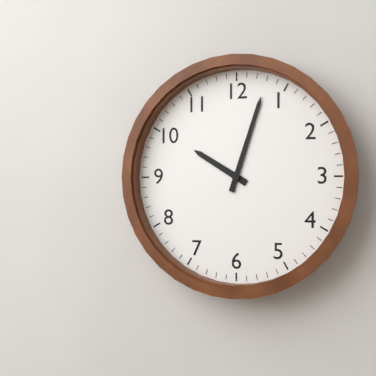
10 h 03 min
